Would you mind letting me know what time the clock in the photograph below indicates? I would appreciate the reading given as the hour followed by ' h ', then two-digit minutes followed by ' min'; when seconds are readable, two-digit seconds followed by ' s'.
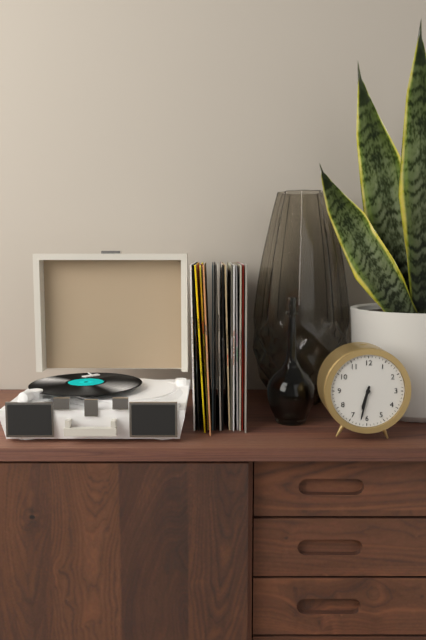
6 h 32 min
